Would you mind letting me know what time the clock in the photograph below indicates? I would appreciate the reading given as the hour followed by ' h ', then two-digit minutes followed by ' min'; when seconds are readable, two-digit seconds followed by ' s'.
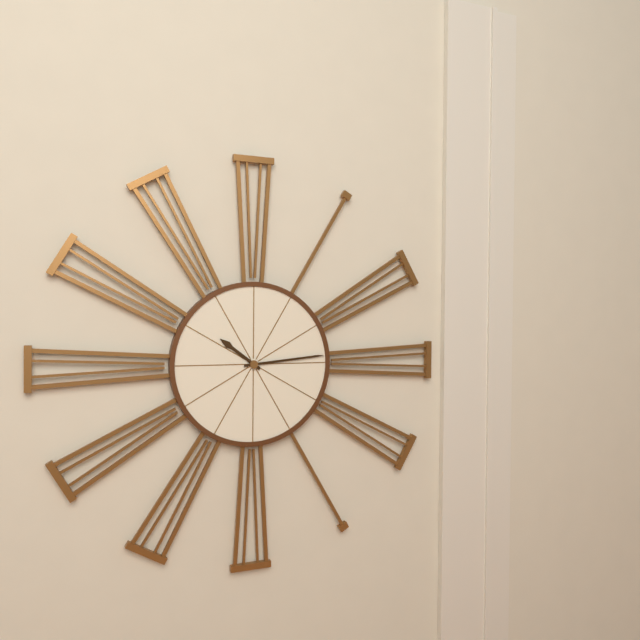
10 h 14 min
